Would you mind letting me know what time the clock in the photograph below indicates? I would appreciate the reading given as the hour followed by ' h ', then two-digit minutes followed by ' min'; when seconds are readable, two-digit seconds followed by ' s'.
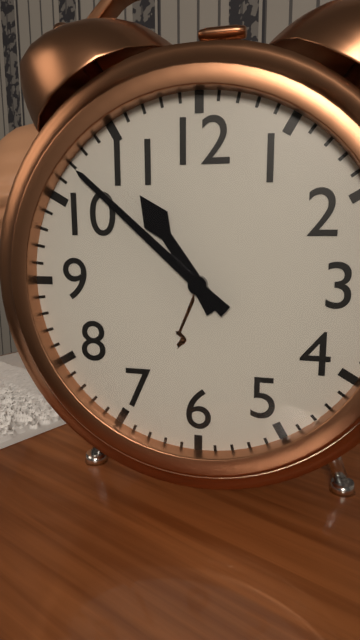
10 h 52 min
